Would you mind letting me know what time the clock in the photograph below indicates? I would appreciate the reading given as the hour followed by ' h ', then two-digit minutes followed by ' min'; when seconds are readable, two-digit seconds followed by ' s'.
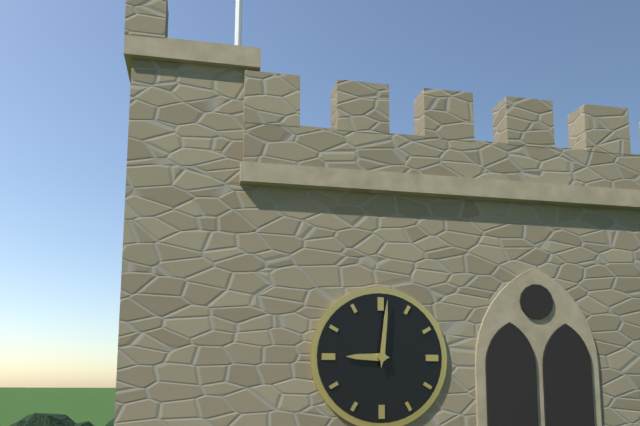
9 h 01 min
